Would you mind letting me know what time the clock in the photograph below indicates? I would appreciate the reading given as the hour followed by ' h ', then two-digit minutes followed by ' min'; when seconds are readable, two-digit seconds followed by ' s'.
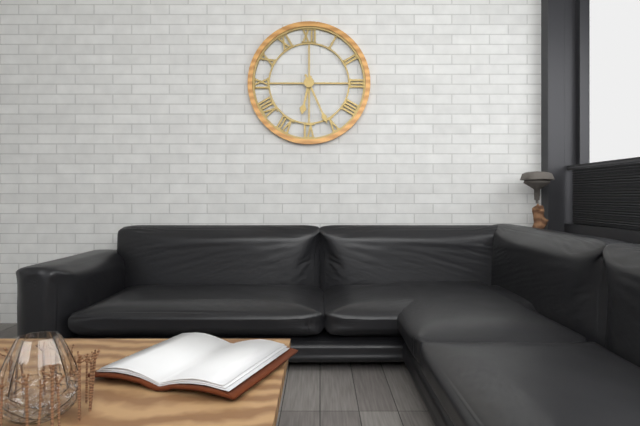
6 h 26 min
